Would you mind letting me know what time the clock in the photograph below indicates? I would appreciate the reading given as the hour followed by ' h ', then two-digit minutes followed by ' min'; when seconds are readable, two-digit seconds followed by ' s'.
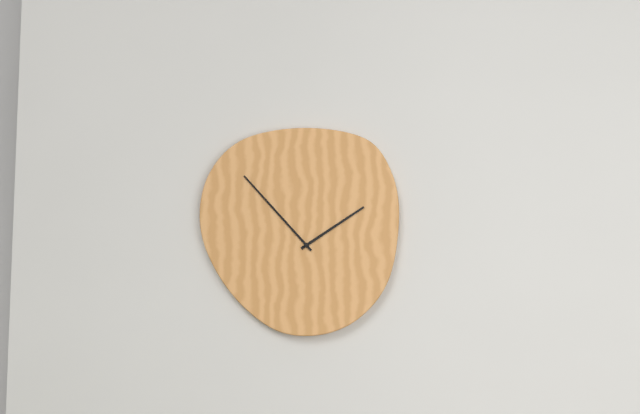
1 h 53 min
